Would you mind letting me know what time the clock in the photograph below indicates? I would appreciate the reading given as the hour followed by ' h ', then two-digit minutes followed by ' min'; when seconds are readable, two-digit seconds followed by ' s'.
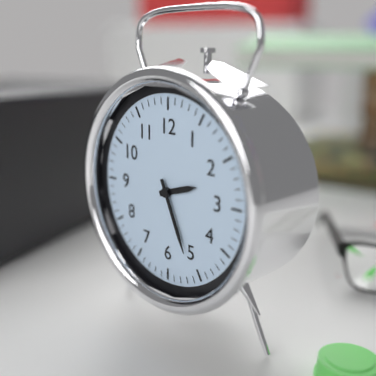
2 h 26 min
